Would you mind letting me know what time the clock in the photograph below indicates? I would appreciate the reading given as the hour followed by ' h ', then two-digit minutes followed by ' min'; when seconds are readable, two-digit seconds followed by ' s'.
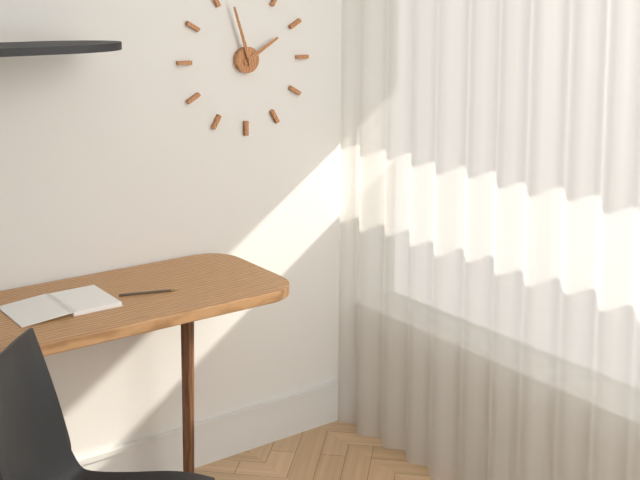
1 h 57 min
